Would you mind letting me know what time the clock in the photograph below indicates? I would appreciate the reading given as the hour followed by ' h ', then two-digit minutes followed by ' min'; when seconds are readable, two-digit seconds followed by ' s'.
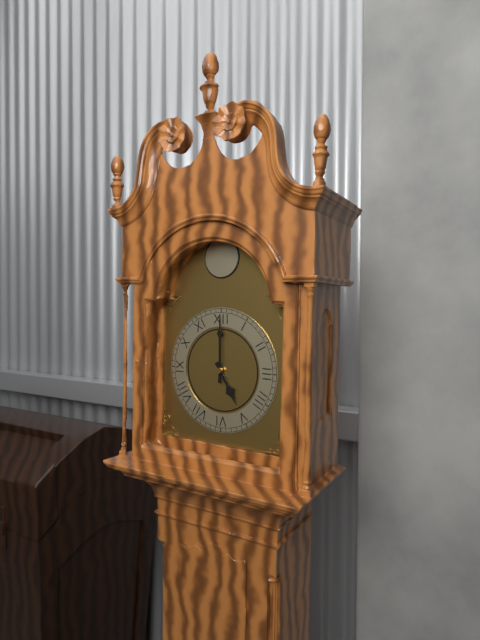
5 h 00 min
